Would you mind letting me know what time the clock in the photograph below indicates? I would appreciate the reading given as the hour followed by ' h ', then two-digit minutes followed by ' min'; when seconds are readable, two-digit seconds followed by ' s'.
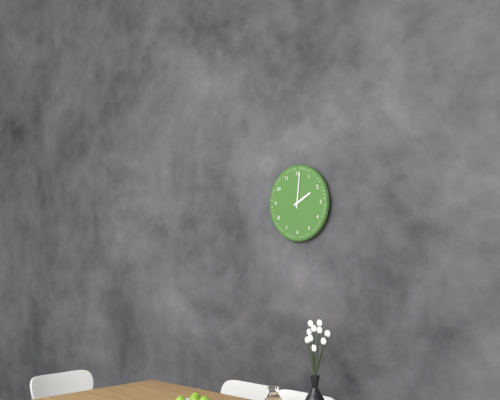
2 h 01 min
